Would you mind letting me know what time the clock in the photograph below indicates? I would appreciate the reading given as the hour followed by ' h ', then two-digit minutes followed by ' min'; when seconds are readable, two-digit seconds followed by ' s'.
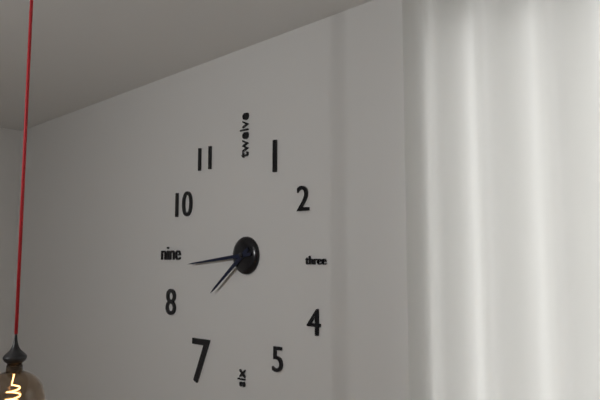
7 h 44 min
